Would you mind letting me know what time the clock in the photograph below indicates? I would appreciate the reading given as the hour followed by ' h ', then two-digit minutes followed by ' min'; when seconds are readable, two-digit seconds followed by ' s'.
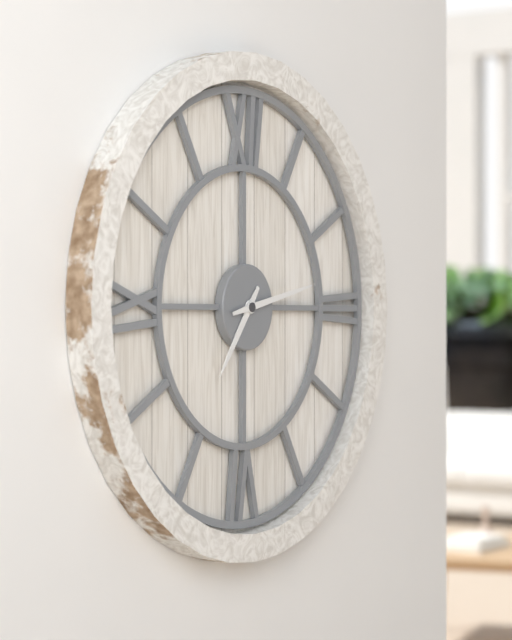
7 h 13 min
